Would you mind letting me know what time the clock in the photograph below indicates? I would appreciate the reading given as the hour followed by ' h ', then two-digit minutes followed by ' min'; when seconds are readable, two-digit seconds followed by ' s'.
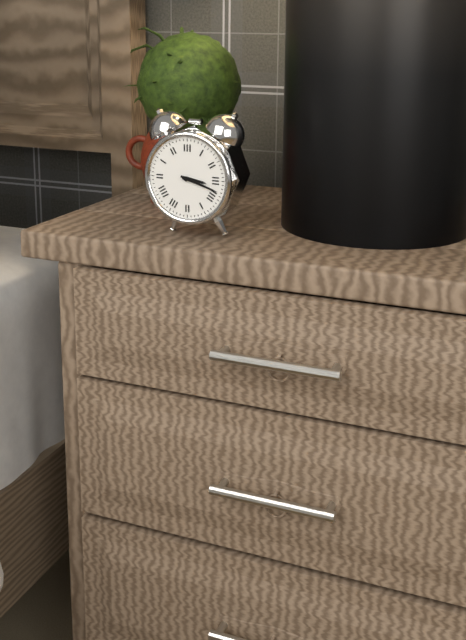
3 h 18 min
